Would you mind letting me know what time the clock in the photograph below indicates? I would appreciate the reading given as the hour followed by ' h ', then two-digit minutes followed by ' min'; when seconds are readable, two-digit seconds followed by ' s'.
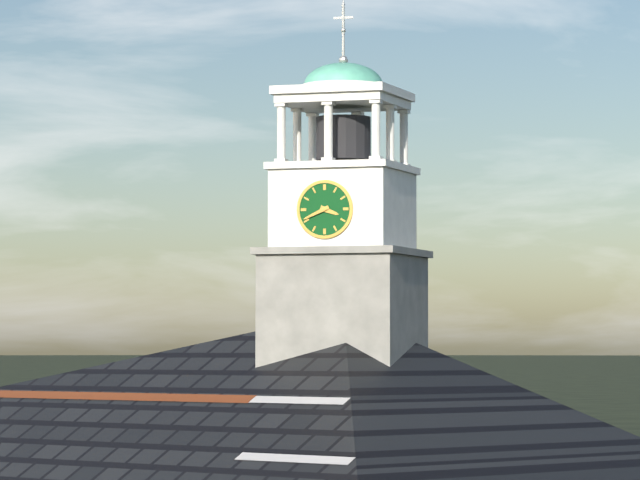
3 h 41 min
